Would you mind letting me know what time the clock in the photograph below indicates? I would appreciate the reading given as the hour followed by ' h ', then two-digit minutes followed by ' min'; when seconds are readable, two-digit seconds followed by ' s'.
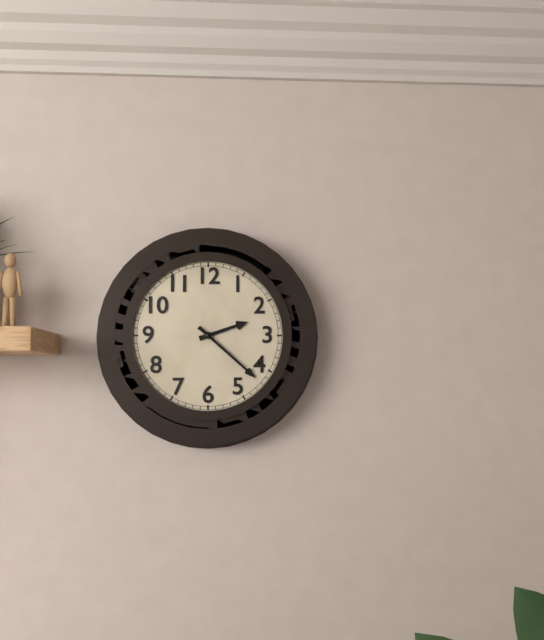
2 h 22 min
